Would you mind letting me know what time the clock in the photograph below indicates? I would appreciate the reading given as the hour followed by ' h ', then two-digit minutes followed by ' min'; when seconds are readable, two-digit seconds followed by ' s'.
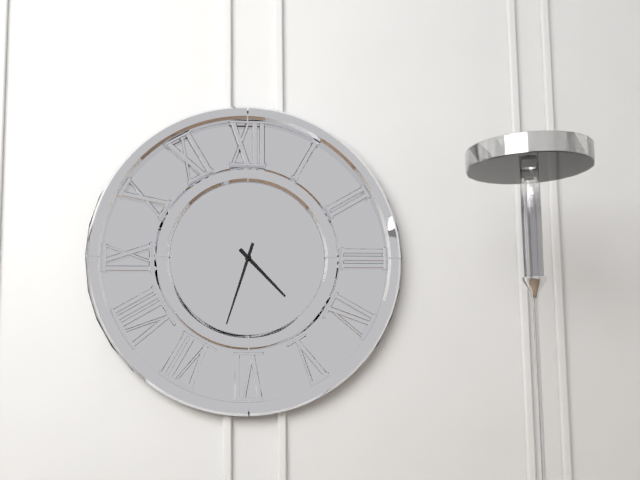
4 h 33 min
